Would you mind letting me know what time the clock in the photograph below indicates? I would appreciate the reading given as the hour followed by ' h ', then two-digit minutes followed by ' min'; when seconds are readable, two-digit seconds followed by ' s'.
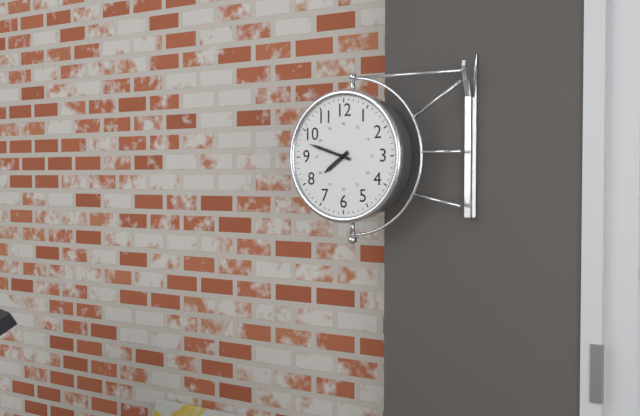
7 h 48 min
